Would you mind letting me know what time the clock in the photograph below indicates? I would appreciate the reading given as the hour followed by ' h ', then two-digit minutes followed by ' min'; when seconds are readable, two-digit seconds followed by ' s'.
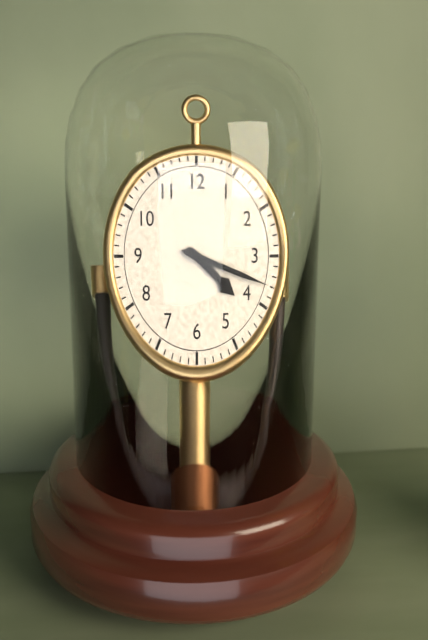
4 h 18 min
